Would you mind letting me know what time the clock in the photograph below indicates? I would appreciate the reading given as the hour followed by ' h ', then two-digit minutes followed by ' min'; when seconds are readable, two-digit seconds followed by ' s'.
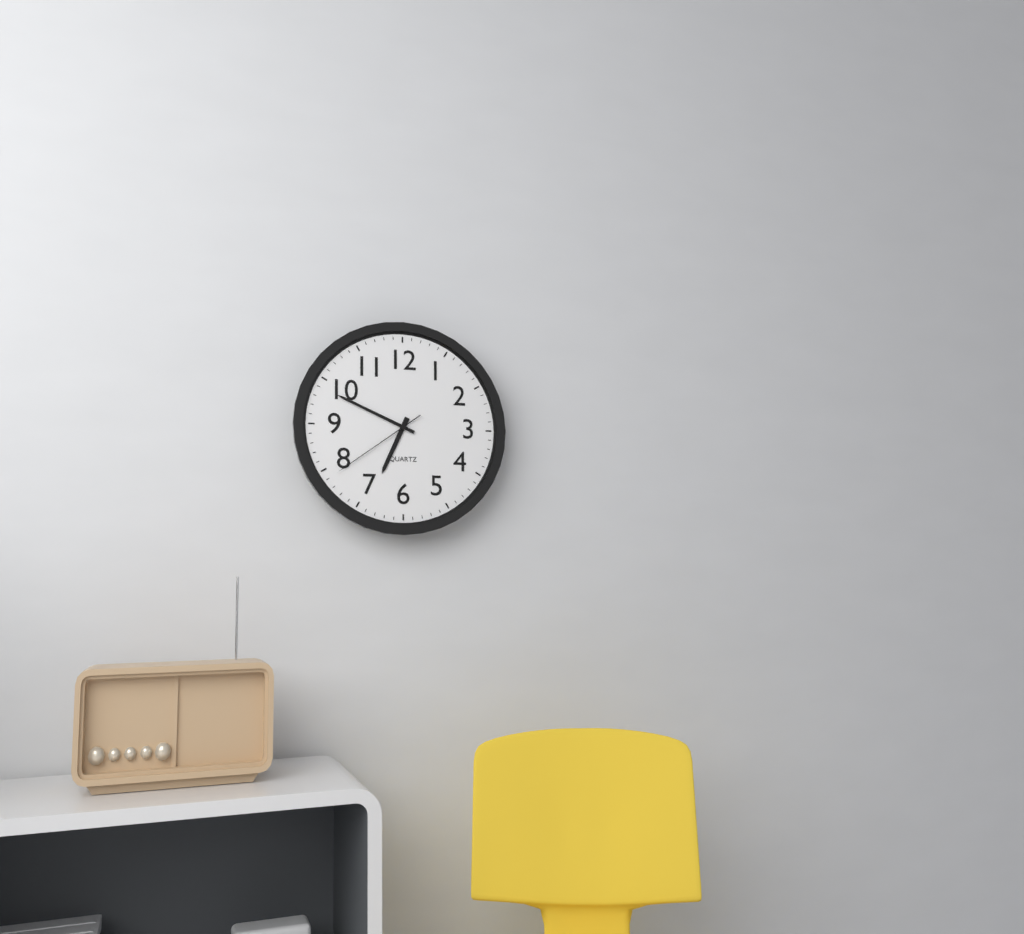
6 h 49 min 39 s
